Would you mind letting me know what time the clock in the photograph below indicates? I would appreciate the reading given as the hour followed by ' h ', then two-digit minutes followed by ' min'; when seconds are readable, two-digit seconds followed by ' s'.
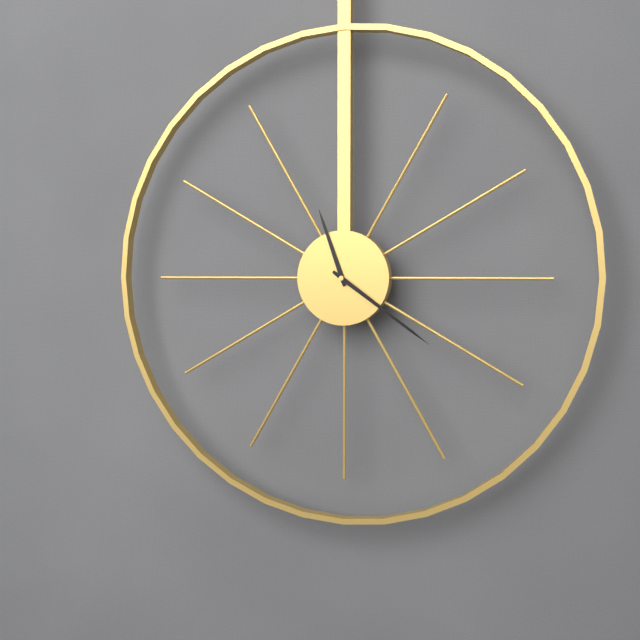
11 h 21 min
